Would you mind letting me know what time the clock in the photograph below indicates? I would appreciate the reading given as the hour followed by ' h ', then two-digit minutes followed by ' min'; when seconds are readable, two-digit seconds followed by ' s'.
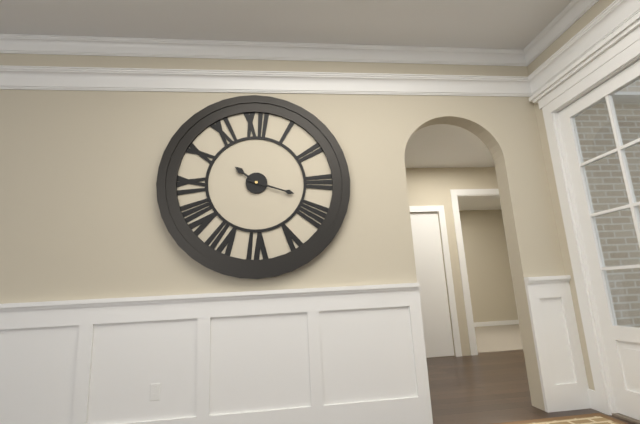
10 h 18 min
